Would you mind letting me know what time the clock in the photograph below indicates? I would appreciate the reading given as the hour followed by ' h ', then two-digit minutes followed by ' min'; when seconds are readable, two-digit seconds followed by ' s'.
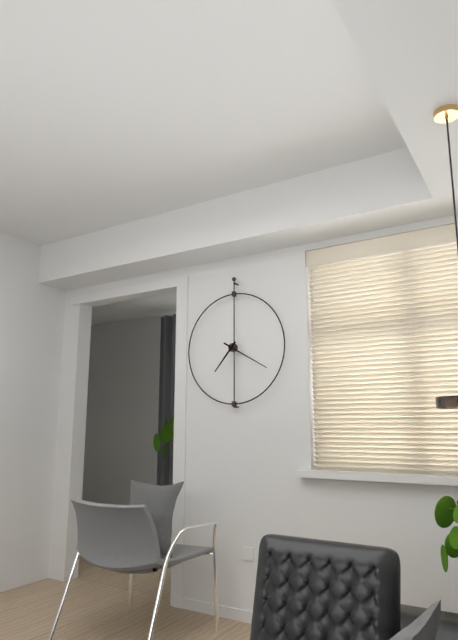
7 h 20 min
